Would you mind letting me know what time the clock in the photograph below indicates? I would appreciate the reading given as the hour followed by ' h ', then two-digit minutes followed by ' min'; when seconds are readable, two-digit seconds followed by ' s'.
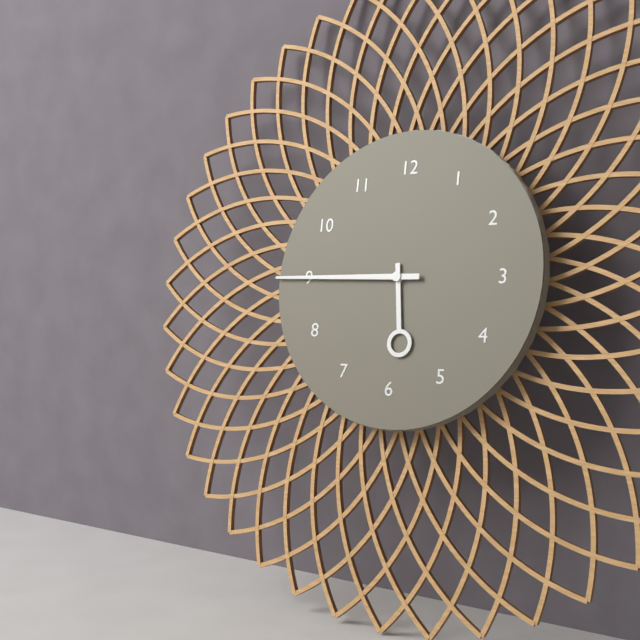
5 h 45 min
